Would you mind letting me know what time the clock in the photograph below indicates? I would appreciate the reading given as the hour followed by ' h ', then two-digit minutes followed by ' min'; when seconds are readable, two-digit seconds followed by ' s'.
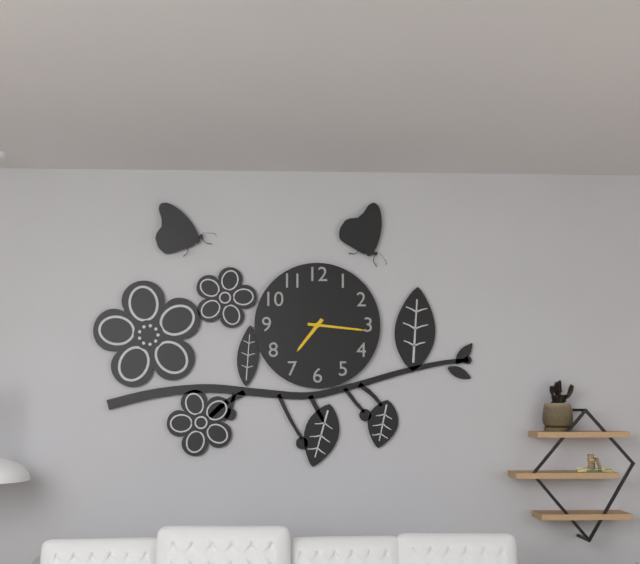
7 h 16 min
